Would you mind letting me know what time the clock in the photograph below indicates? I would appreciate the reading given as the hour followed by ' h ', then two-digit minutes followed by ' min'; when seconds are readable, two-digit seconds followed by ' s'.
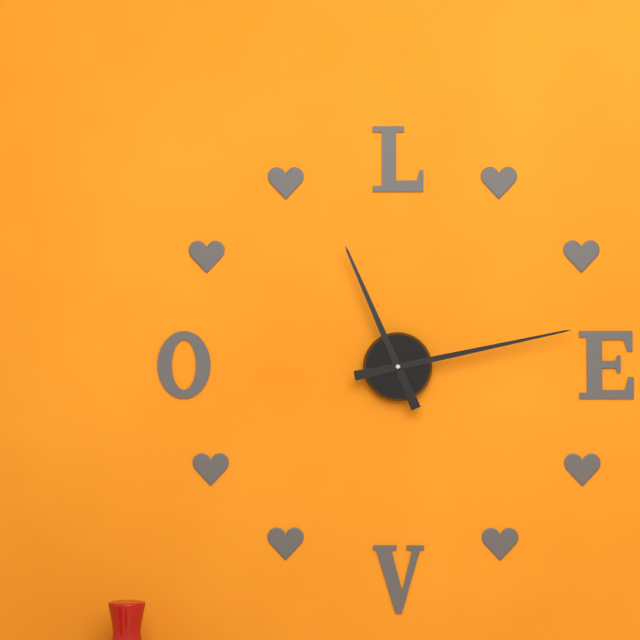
11 h 13 min
